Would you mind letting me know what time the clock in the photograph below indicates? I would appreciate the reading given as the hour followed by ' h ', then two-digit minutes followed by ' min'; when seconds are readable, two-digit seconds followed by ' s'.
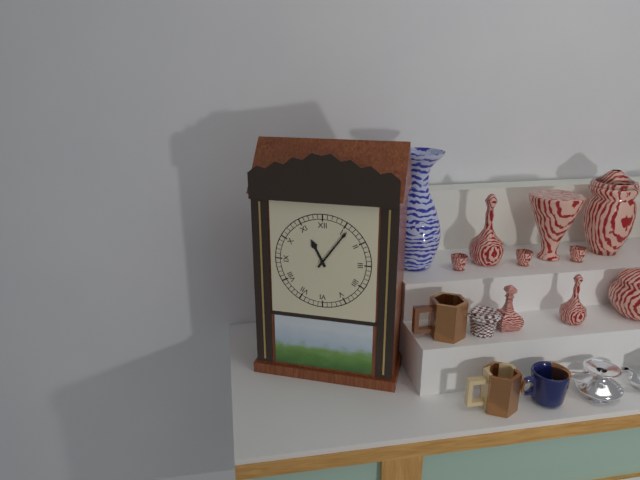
11 h 06 min
